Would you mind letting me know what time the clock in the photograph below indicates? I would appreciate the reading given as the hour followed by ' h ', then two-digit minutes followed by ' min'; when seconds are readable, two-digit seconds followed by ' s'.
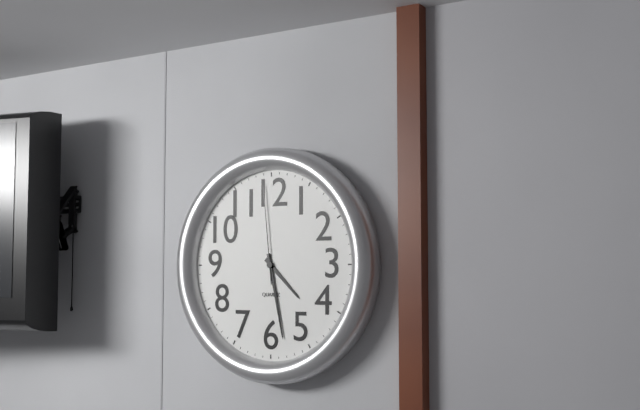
4 h 28 min 59 s
